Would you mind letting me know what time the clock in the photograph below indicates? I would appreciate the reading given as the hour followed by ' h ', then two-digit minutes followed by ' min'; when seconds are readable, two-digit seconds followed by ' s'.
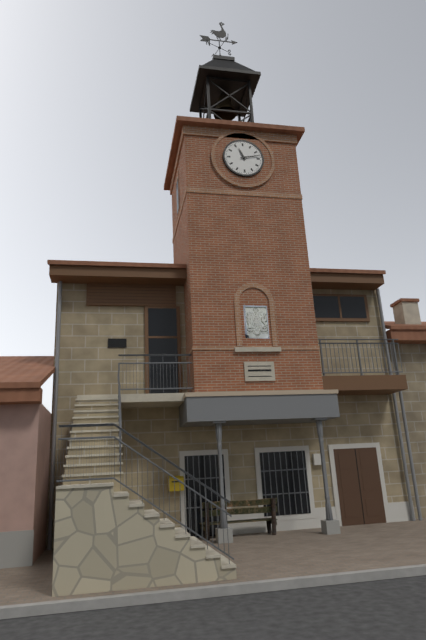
11 h 13 min
